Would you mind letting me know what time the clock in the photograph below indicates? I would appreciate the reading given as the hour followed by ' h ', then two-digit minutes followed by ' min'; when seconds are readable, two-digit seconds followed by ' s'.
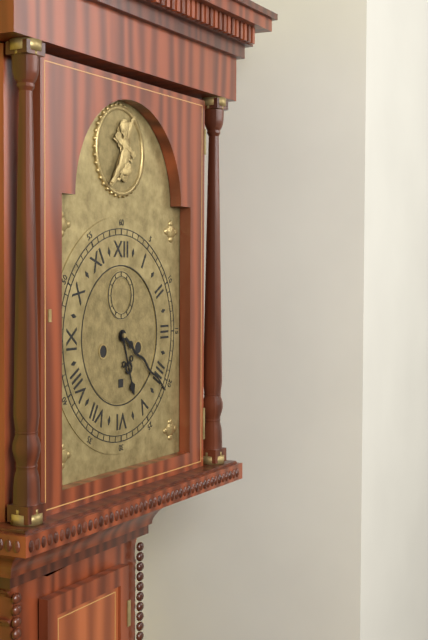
5 h 21 min
